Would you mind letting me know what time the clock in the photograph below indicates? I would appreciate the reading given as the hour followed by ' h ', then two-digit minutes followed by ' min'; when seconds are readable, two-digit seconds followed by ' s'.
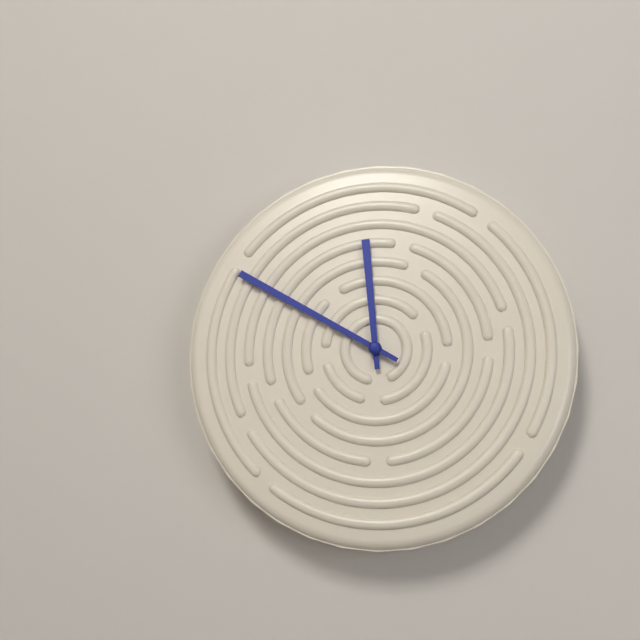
11 h 50 min
